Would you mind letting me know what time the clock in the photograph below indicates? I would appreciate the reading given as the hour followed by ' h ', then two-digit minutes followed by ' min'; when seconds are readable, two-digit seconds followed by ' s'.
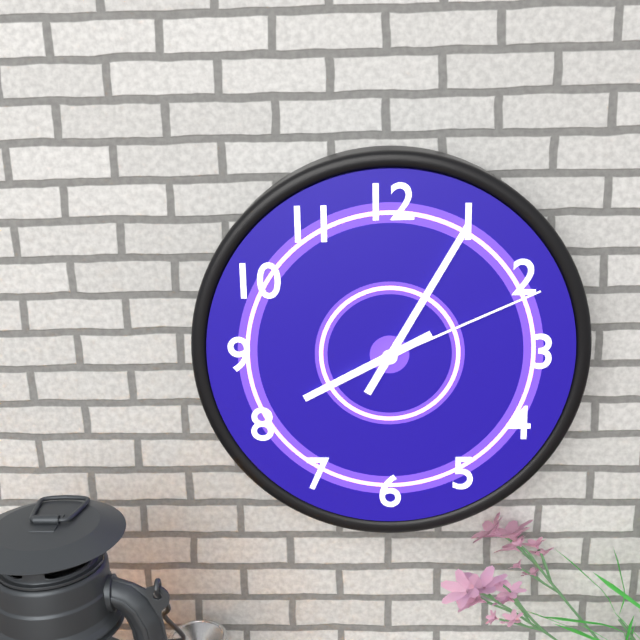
8 h 05 min 11 s
